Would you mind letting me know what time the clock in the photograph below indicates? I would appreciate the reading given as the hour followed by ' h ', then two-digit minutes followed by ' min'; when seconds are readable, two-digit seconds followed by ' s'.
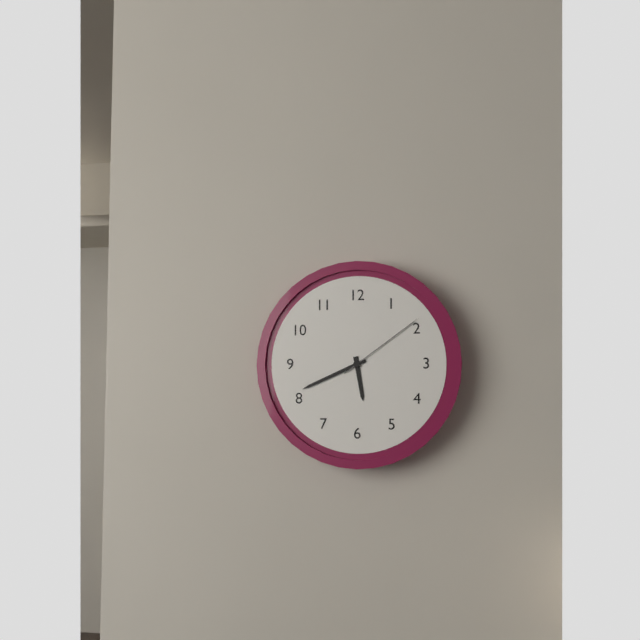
5 h 41 min 09 s
